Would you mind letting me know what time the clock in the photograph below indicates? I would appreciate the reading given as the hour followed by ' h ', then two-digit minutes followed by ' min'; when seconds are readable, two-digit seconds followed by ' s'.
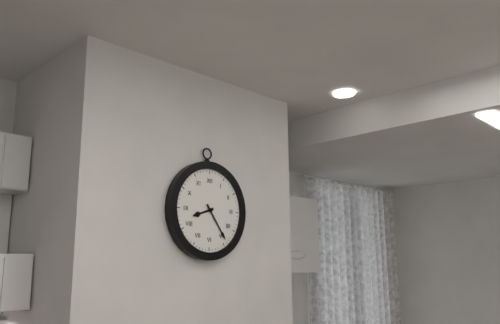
8 h 24 min
